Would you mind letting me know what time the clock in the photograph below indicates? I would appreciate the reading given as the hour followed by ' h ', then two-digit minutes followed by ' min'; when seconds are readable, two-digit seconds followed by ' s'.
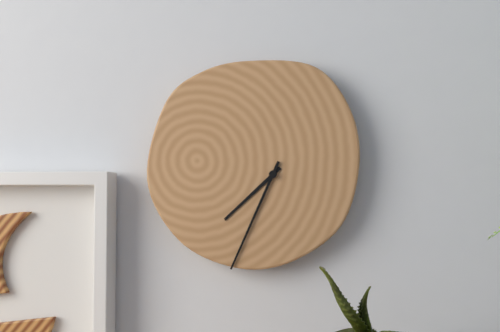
7 h 34 min
